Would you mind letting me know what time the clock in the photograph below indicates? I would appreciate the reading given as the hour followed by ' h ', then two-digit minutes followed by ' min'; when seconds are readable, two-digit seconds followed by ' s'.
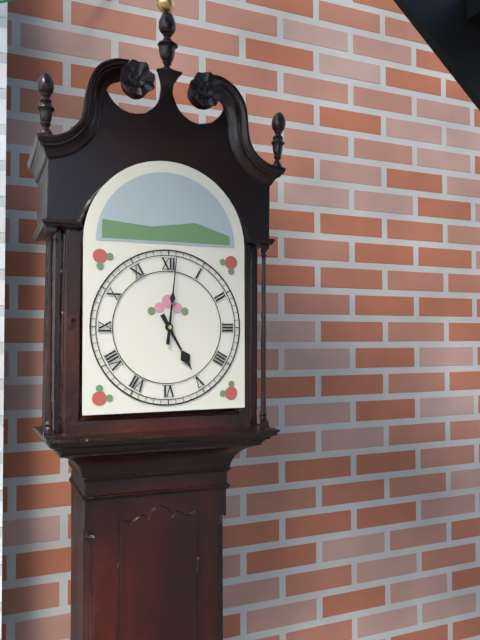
5 h 01 min
